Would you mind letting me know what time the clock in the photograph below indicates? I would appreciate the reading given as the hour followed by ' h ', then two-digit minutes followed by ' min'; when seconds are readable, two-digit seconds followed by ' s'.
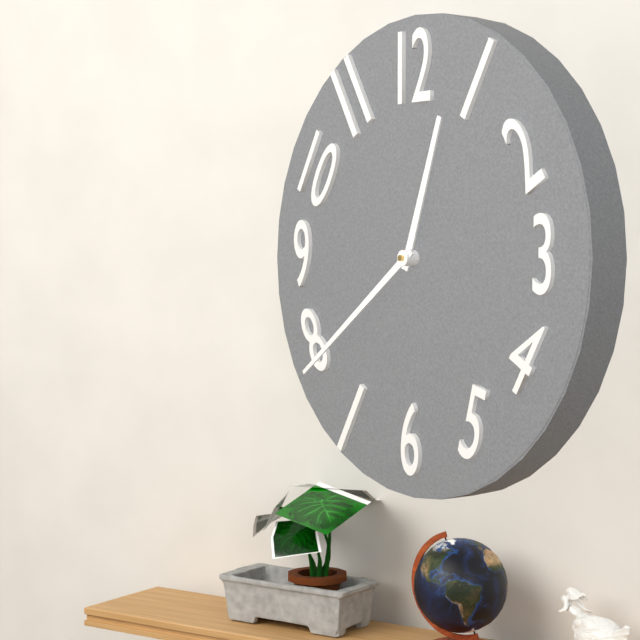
12 h 39 min
